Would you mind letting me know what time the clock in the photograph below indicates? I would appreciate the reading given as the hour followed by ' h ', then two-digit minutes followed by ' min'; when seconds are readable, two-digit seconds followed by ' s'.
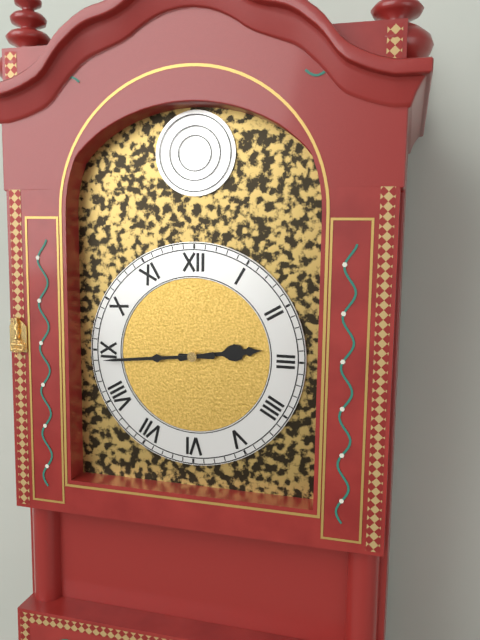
2 h 44 min
